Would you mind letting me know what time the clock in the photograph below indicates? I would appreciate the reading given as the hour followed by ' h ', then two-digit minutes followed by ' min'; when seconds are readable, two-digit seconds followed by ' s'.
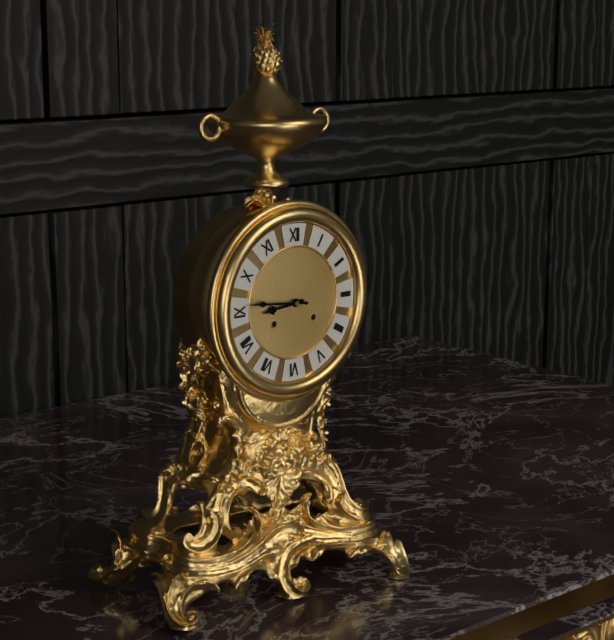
8 h 46 min
